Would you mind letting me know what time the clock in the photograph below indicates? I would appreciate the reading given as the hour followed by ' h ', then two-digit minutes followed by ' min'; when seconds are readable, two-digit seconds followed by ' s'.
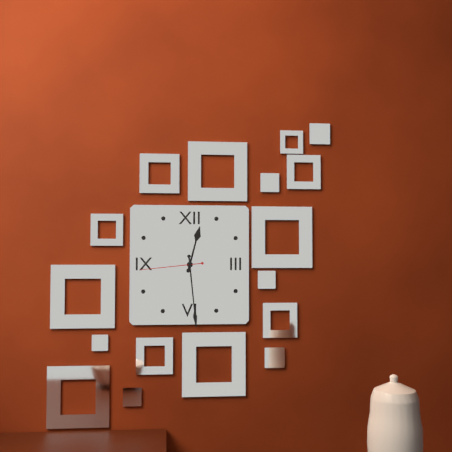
12 h 29 min 44 s
